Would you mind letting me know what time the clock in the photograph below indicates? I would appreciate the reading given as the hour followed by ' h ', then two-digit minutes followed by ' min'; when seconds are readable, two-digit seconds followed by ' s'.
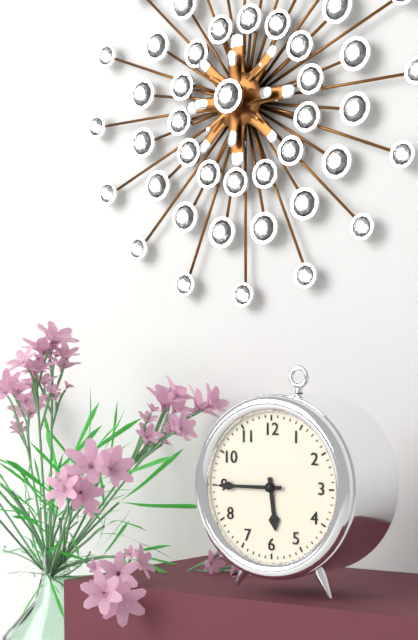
5 h 45 min
